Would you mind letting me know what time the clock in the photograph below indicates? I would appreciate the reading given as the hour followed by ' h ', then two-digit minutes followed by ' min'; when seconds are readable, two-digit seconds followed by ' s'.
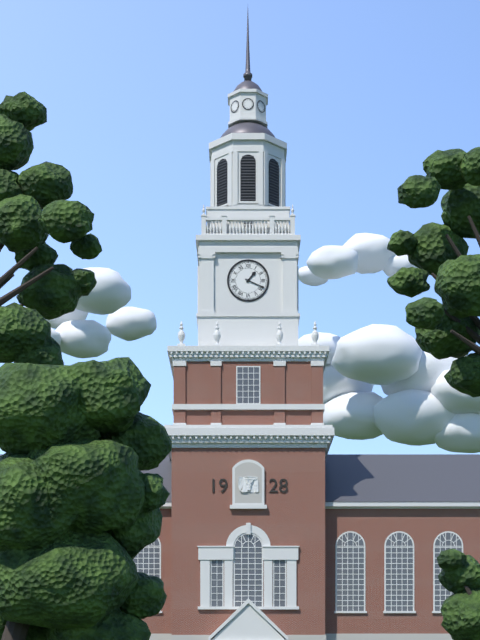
1 h 19 min
